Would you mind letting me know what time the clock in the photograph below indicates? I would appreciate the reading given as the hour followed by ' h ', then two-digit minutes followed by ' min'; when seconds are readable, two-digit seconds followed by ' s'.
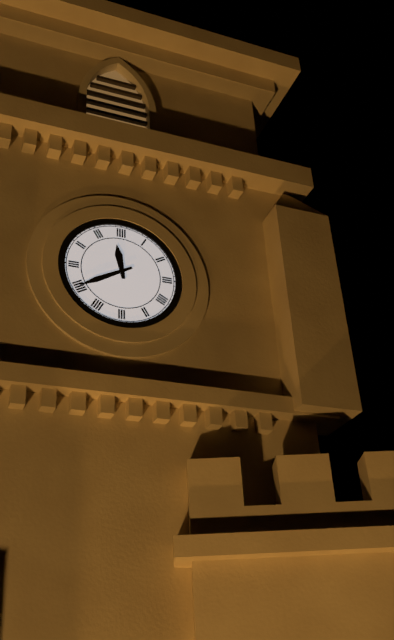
11 h 40 min
